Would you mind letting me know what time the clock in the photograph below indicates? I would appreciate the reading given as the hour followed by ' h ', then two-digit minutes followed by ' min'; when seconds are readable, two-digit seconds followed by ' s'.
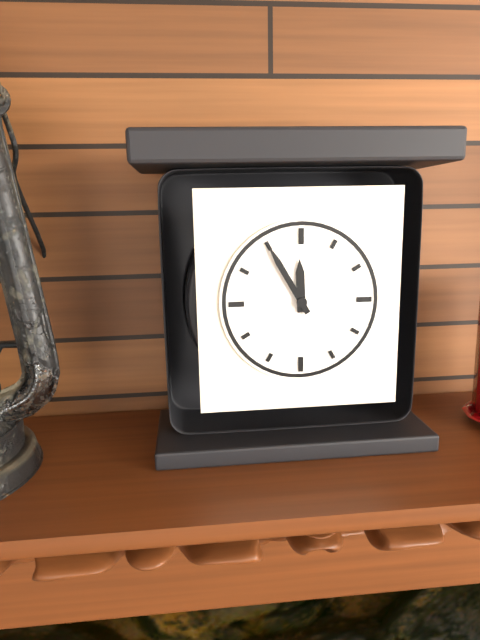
11 h 55 min
